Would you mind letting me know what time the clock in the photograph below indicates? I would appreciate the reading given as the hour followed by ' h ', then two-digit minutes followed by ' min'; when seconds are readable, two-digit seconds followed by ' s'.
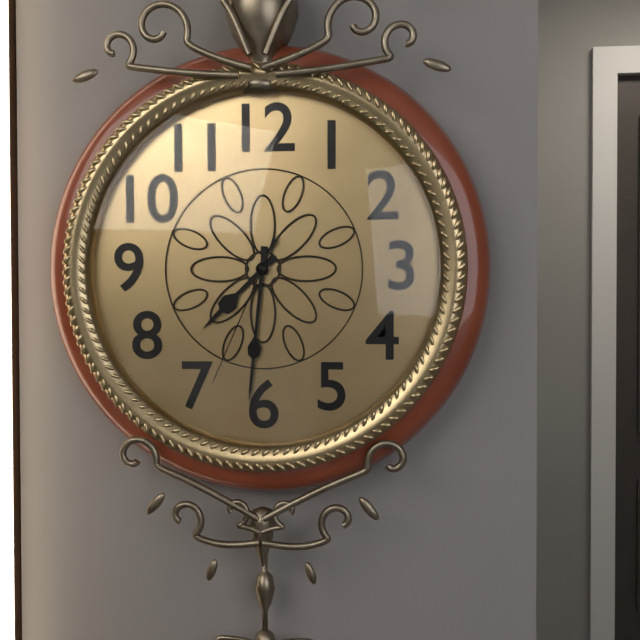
7 h 31 min 34 s
